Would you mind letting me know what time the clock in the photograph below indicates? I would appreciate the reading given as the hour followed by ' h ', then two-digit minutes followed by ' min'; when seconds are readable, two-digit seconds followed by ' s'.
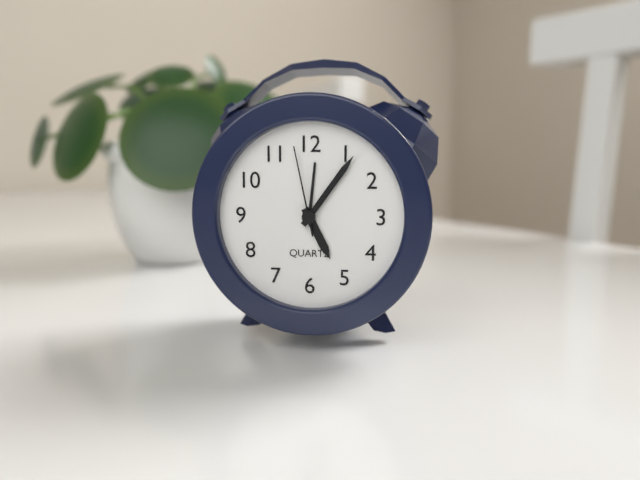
5 h 06 min 58 s
